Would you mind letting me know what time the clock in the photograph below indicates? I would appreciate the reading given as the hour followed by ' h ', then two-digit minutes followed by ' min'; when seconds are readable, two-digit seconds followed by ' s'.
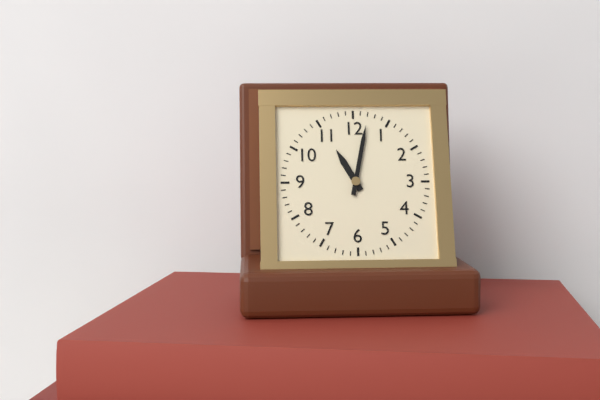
11 h 02 min
